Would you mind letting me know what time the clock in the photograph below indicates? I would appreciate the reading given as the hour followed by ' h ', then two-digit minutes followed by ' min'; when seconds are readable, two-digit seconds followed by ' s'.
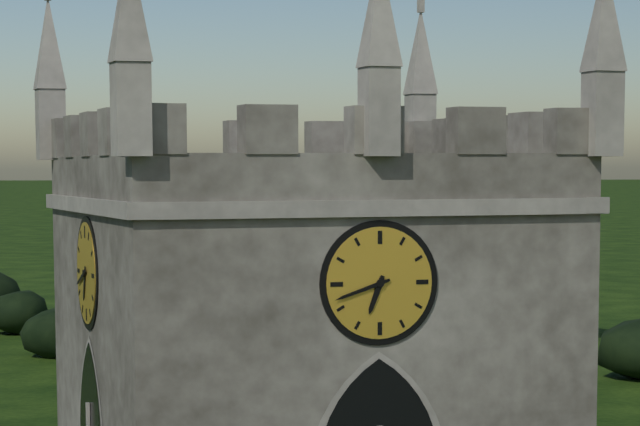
6 h 42 min
